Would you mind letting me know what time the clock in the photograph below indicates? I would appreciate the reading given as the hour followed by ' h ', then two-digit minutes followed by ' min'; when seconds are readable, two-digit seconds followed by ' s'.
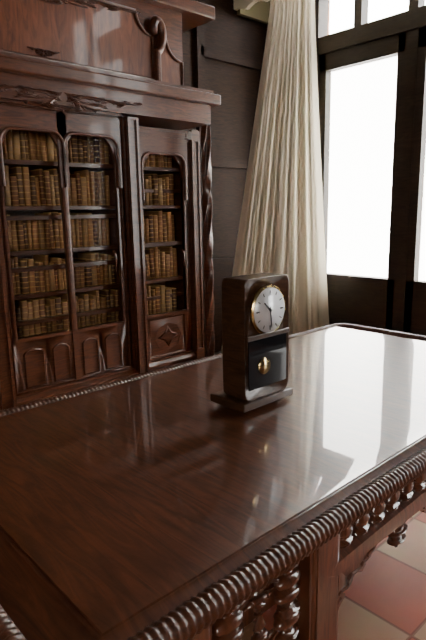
10 h 29 min
